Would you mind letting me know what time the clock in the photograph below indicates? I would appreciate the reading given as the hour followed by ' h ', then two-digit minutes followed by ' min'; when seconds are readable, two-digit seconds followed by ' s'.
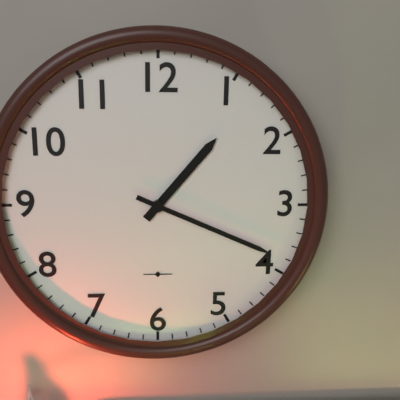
1 h 19 min
